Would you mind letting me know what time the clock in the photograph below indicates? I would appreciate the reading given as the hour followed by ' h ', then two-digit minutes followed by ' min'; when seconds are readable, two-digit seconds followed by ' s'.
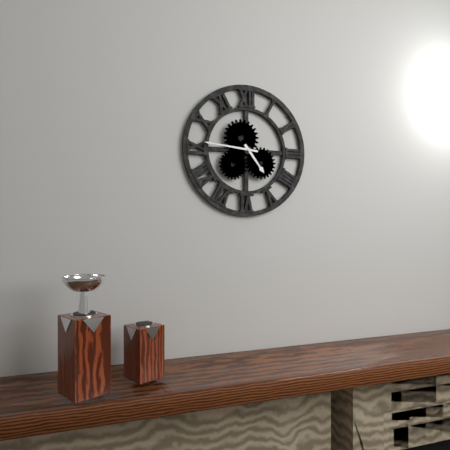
4 h 46 min
